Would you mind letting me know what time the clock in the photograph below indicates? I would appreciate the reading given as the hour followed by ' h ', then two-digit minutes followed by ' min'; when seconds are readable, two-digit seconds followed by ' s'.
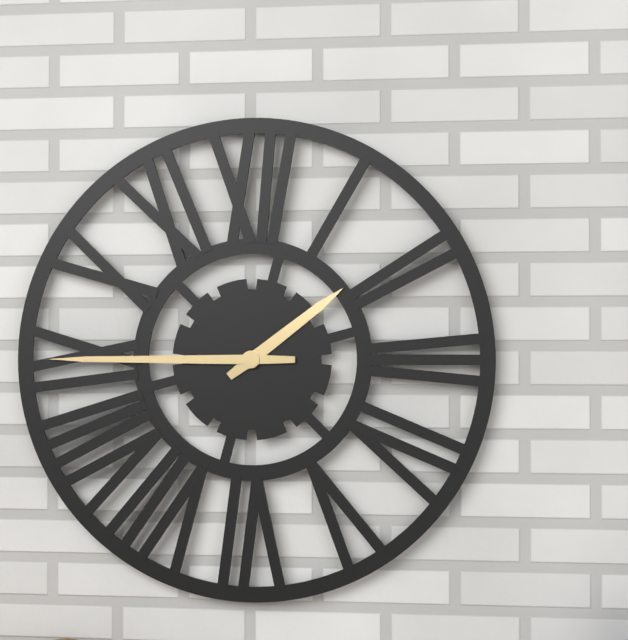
1 h 45 min
